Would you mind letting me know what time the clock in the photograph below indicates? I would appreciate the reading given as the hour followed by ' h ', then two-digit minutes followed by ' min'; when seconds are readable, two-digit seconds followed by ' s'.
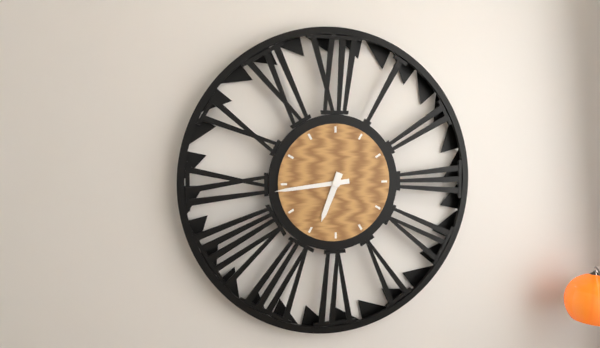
6 h 44 min
